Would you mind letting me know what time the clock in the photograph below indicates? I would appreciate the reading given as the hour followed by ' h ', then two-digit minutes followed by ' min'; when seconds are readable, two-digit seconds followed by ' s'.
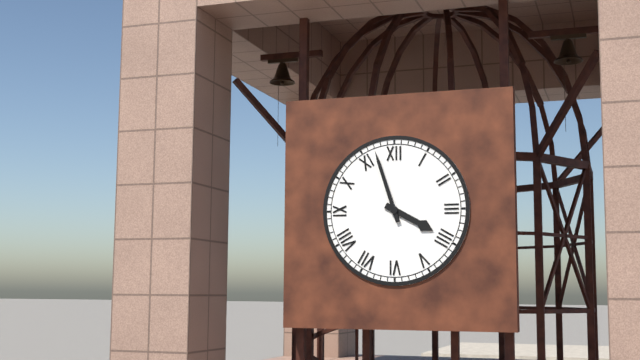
3 h 57 min
